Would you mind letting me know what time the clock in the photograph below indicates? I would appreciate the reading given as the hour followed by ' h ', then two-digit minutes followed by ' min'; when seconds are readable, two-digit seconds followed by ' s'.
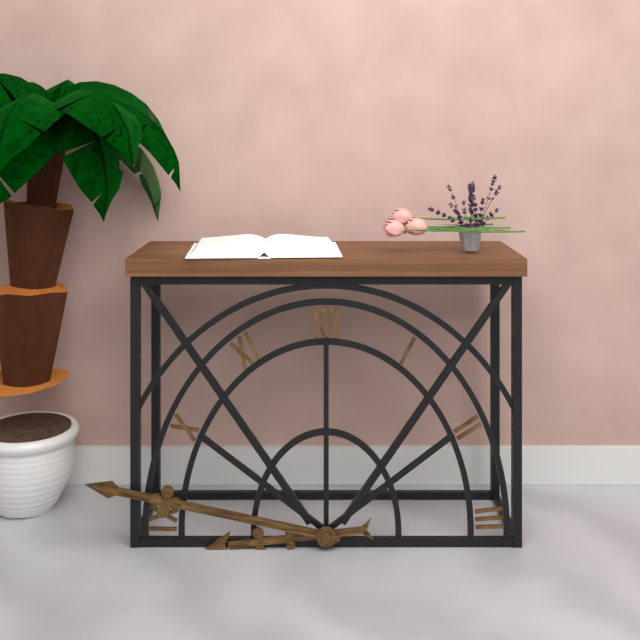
8 h 47 min
